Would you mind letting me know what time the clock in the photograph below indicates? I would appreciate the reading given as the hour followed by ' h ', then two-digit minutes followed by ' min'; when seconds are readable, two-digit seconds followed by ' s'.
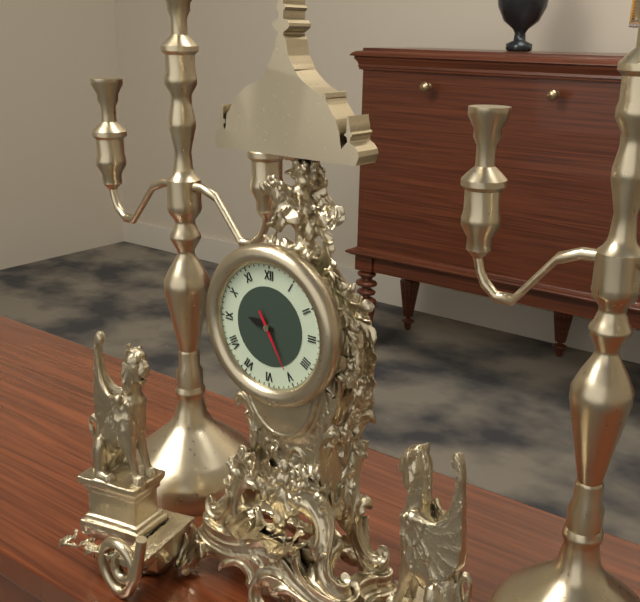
9 h 25 min
